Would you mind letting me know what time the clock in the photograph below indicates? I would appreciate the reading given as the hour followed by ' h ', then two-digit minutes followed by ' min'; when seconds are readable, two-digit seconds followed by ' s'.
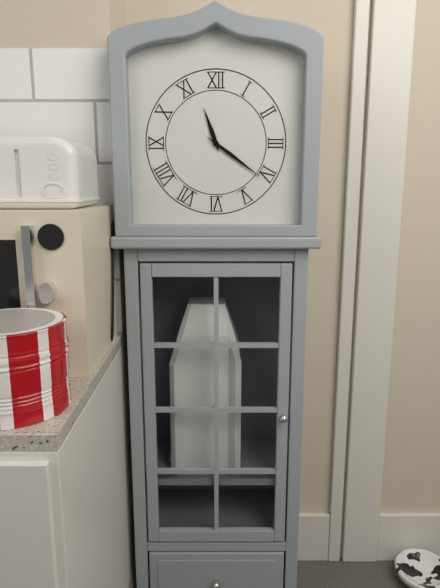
11 h 21 min
